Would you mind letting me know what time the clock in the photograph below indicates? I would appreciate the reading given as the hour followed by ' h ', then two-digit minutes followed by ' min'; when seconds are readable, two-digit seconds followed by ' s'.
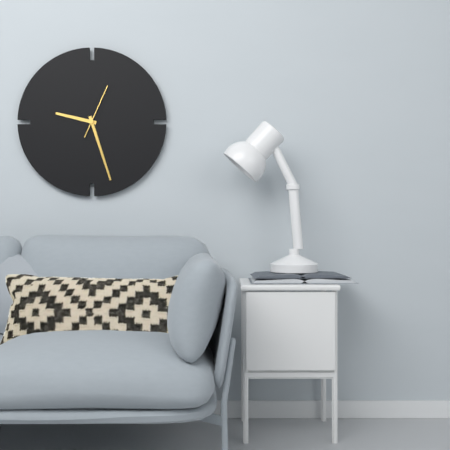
9 h 27 min
